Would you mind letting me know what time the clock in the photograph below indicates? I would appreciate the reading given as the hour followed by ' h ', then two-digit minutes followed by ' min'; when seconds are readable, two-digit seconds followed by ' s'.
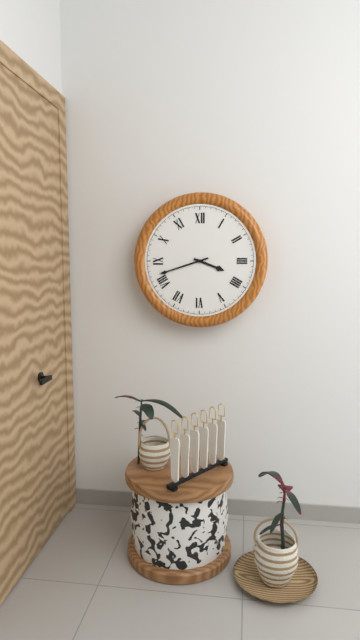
3 h 42 min
